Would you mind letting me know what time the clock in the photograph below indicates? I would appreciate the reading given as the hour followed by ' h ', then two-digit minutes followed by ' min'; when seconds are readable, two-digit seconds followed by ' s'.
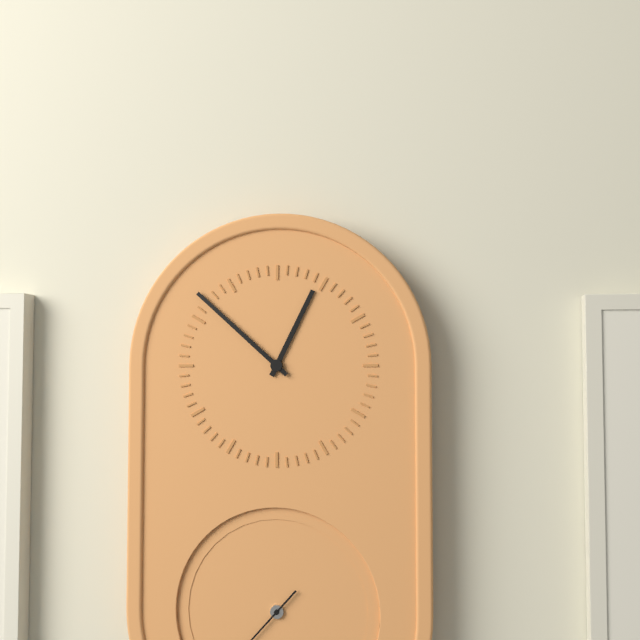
12 h 52 min
